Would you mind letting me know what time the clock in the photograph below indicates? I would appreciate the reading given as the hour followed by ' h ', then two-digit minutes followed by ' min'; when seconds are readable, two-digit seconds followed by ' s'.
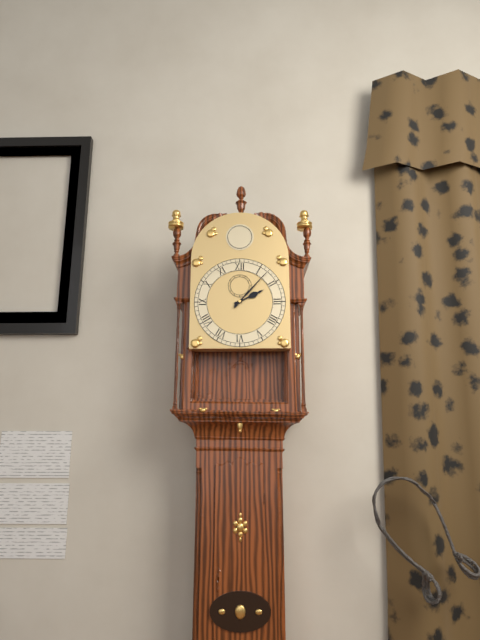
2 h 07 min
